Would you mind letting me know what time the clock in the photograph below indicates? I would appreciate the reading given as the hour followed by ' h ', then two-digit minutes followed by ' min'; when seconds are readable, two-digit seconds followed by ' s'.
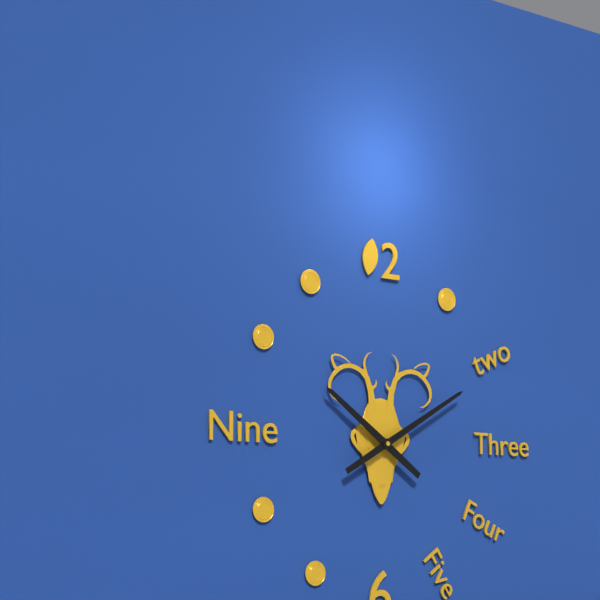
10 h 10 min
